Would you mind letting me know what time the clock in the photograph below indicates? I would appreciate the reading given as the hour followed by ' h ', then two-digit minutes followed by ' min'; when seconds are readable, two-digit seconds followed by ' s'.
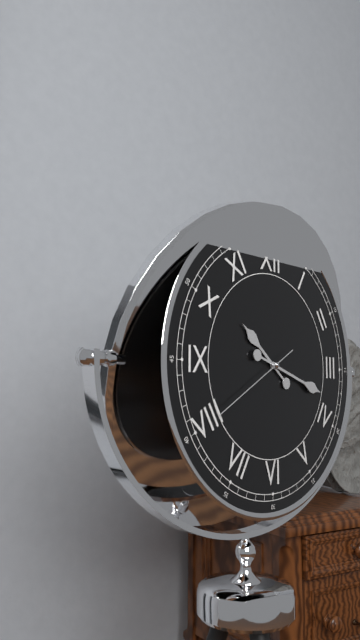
10 h 18 min 40 s
